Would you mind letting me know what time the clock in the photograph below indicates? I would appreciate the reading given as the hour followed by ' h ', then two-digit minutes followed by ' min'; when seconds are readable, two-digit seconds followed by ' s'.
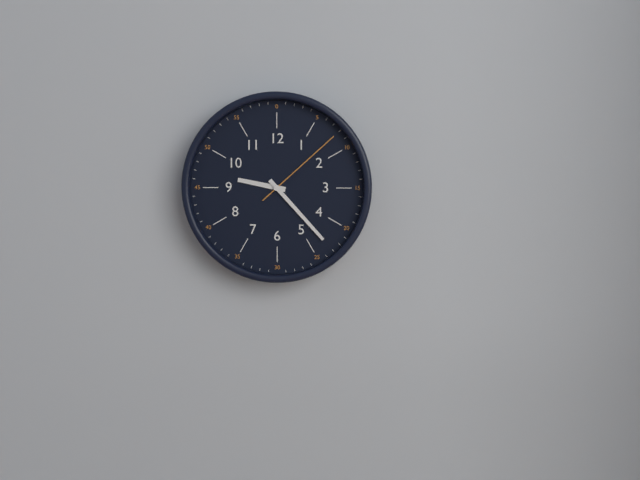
9 h 23 min 08 s
